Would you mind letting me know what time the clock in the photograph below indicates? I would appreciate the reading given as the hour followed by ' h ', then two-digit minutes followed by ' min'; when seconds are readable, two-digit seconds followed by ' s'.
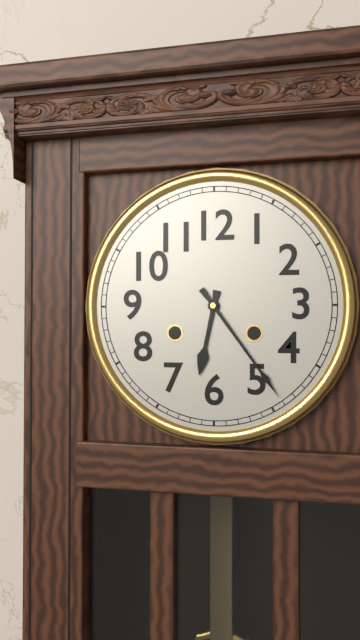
6 h 24 min
